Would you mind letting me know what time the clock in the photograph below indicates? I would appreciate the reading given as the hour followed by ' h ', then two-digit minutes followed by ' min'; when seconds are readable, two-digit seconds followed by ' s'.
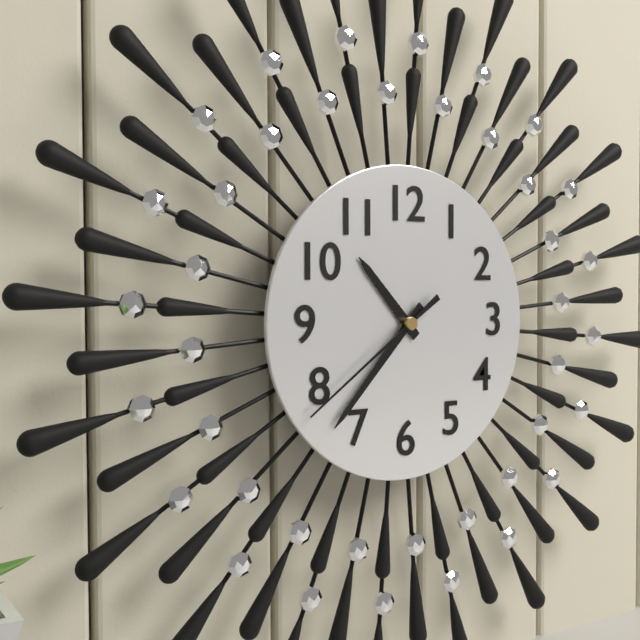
10 h 37 min 39 s
